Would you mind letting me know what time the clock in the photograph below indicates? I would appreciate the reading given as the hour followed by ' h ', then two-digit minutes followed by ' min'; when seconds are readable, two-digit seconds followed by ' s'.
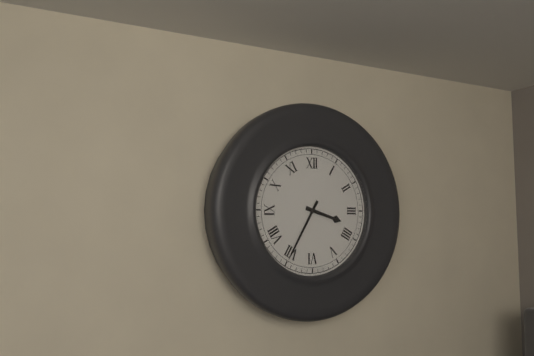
3 h 35 min
